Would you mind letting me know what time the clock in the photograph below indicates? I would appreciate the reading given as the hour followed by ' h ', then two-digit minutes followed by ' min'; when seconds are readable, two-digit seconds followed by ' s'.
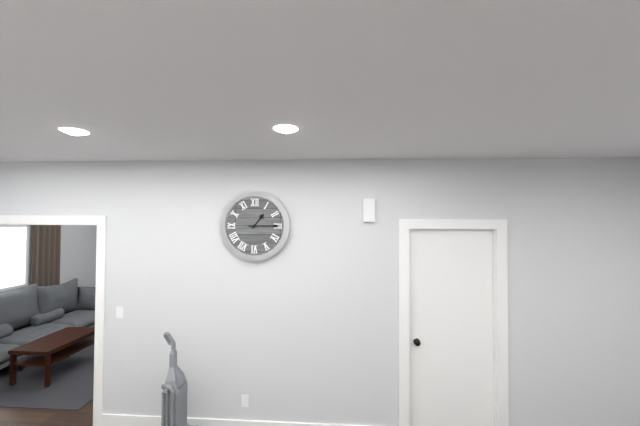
1 h 15 min
